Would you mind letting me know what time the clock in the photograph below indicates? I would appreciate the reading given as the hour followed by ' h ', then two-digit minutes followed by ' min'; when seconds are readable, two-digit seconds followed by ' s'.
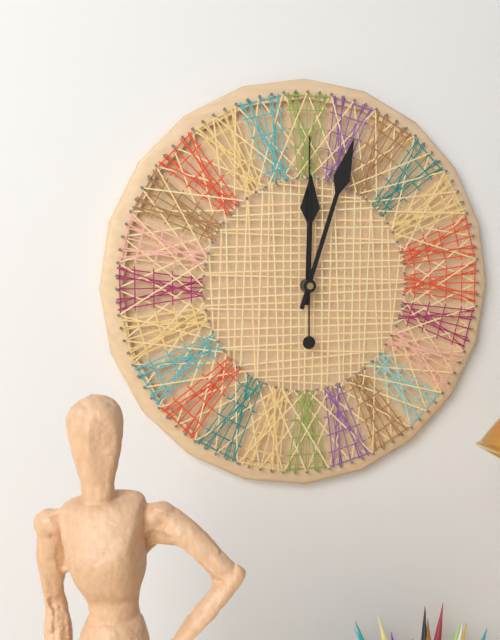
12 h 03 min 00 s
